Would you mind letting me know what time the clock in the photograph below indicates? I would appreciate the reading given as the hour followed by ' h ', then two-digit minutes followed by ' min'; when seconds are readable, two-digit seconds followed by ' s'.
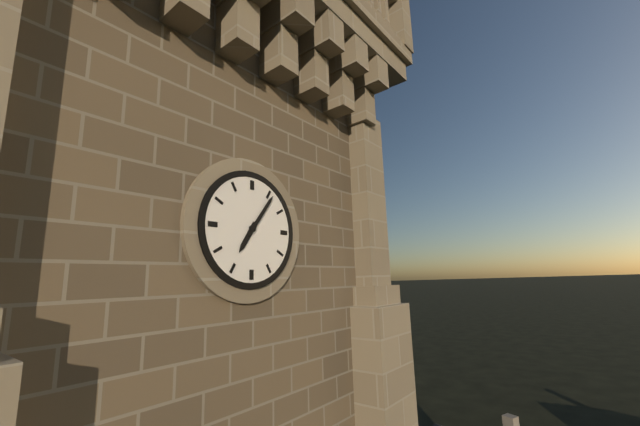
7 h 06 min
